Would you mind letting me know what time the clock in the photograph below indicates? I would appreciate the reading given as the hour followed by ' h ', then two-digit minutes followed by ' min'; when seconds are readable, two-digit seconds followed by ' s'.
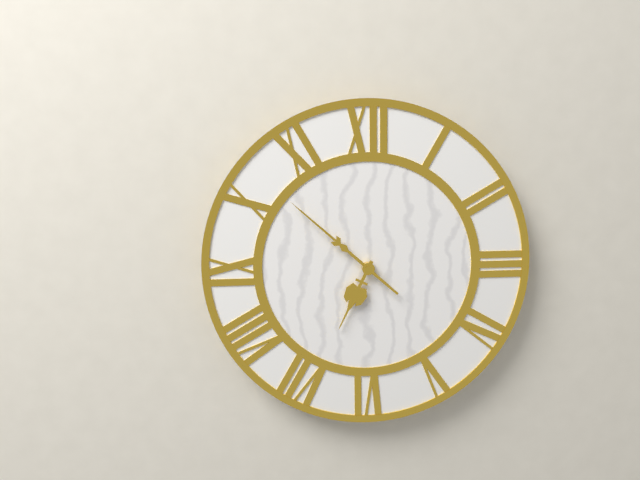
6 h 52 min
